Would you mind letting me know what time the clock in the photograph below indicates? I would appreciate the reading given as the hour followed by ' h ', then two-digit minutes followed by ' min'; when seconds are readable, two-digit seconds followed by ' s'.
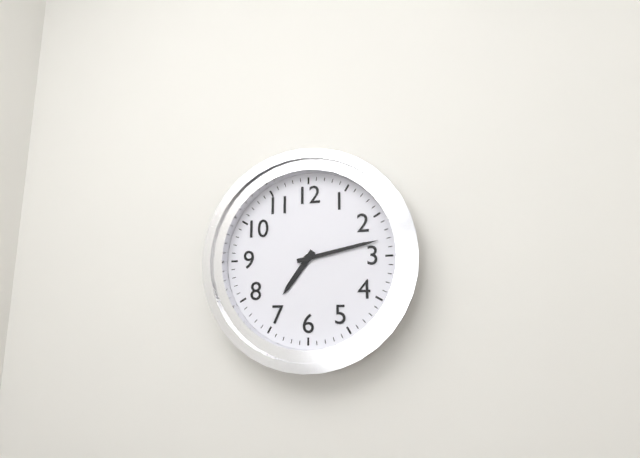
7 h 13 min
